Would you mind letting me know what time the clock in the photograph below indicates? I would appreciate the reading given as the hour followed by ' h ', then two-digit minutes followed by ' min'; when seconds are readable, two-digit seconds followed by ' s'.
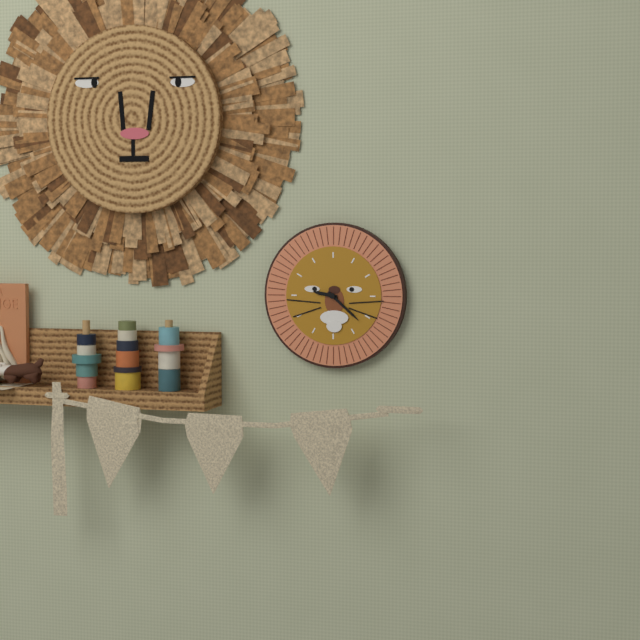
9 h 22 min
